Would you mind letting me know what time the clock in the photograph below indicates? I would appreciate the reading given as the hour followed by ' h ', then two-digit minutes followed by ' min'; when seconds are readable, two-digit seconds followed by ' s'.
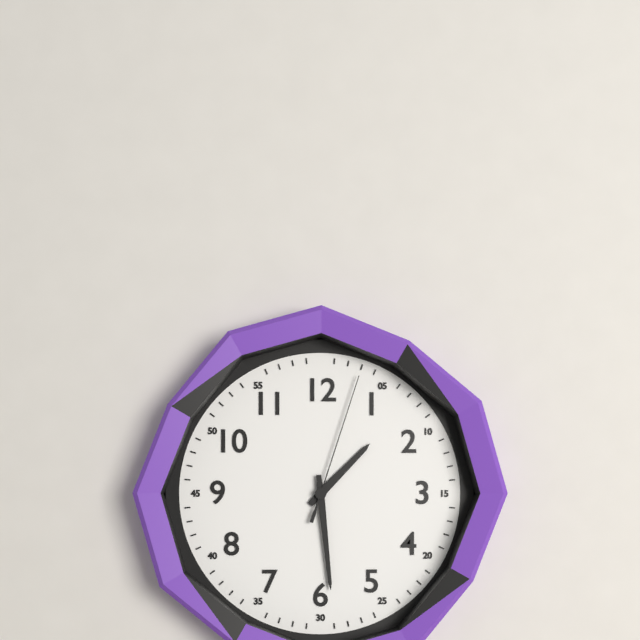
1 h 29 min 03 s
